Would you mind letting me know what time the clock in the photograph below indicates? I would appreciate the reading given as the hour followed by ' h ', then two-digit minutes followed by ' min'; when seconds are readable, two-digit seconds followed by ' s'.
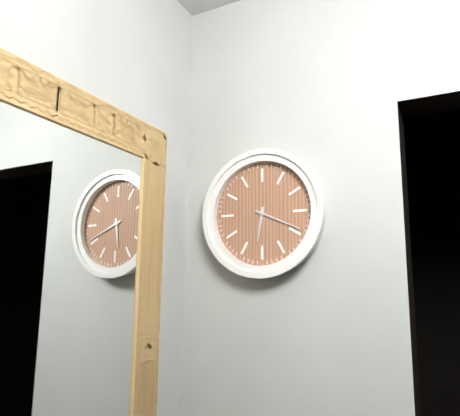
6 h 19 min
